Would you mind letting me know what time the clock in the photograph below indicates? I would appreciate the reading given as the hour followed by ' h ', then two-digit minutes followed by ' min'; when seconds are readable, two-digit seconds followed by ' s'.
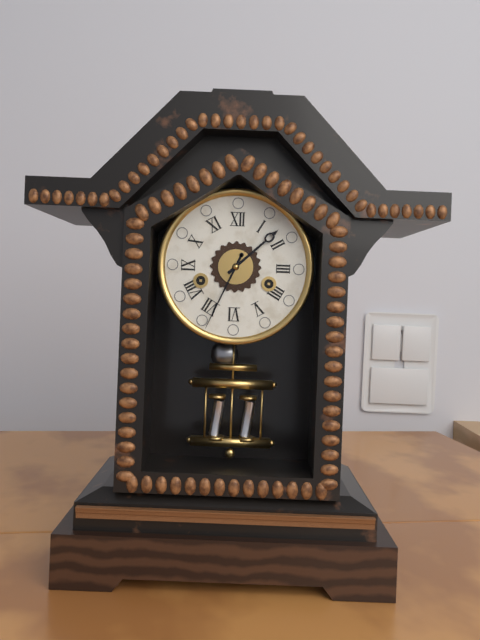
1 h 34 min
